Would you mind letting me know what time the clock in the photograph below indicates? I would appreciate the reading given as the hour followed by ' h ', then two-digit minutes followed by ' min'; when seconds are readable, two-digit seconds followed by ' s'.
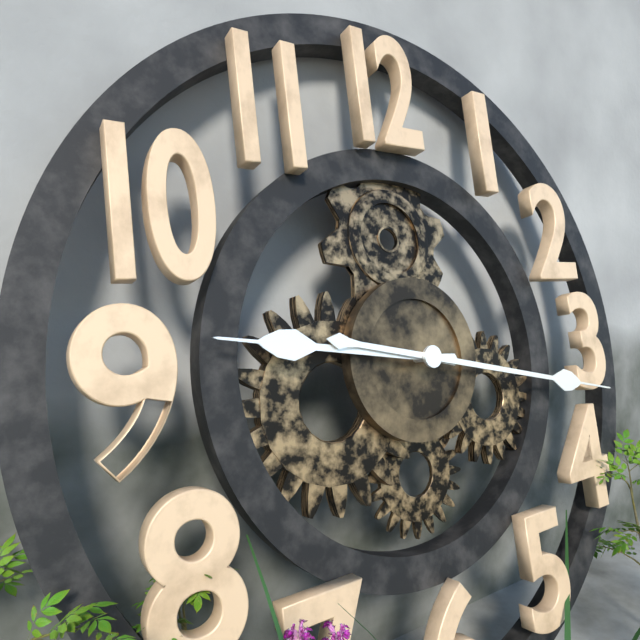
9 h 17 min
